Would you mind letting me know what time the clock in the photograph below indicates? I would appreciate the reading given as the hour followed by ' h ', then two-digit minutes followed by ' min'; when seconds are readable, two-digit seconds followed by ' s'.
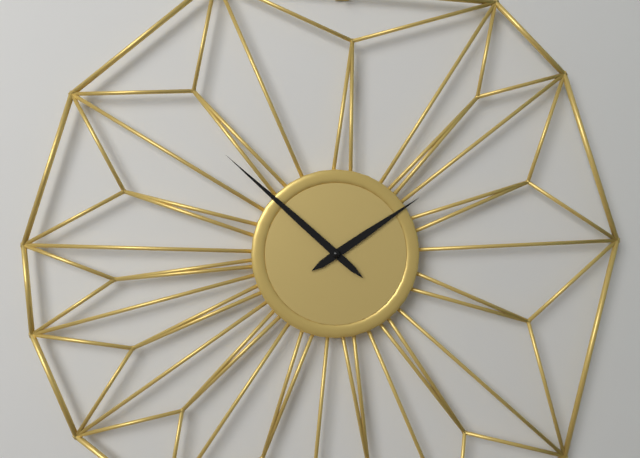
1 h 52 min
